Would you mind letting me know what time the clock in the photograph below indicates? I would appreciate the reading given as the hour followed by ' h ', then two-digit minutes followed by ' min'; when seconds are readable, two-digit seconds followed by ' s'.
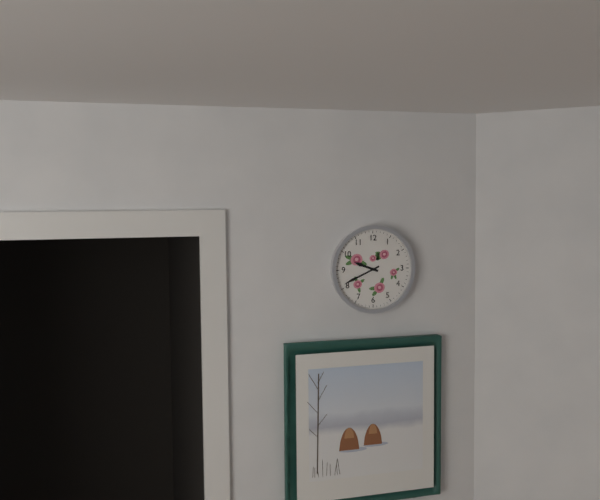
9 h 41 min
